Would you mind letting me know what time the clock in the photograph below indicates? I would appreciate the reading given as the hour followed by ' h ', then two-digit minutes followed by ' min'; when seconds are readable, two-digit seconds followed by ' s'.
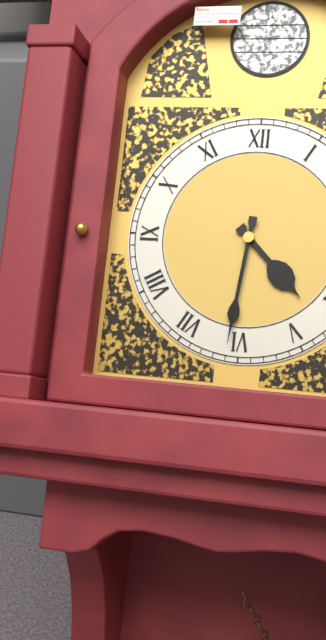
4 h 31 min
